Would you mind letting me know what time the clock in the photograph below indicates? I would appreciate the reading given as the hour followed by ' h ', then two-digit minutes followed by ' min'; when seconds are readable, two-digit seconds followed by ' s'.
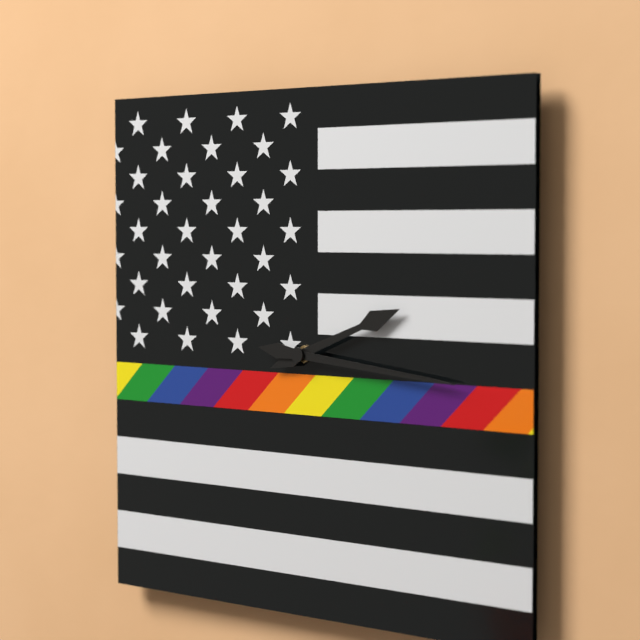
2 h 16 min
